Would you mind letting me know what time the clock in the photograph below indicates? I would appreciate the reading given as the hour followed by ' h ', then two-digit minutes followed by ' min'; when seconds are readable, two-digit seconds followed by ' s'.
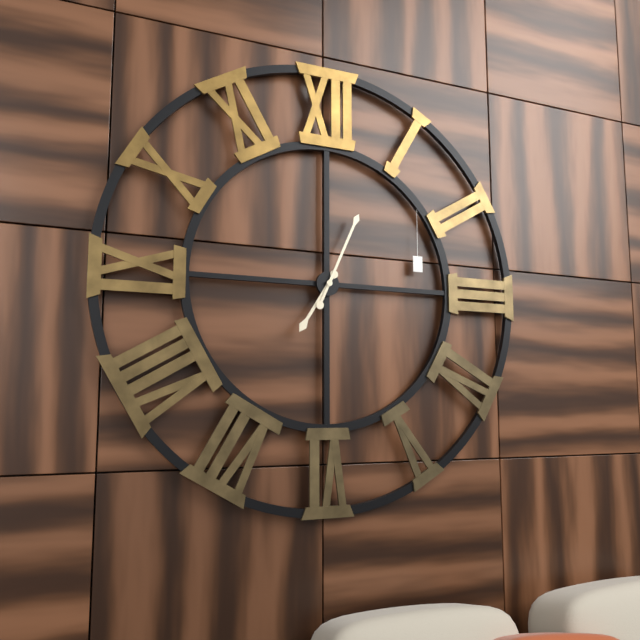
7 h 04 min
